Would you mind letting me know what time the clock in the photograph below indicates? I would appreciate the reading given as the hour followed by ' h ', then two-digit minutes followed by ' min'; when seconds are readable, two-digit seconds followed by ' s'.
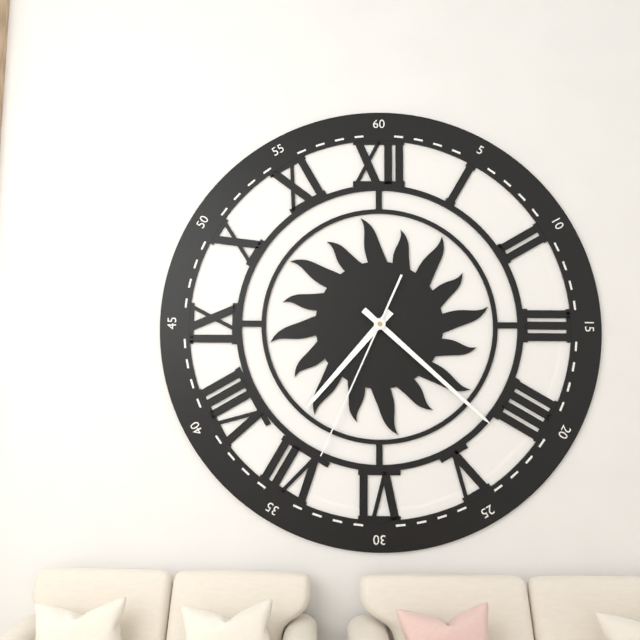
7 h 22 min 34 s
